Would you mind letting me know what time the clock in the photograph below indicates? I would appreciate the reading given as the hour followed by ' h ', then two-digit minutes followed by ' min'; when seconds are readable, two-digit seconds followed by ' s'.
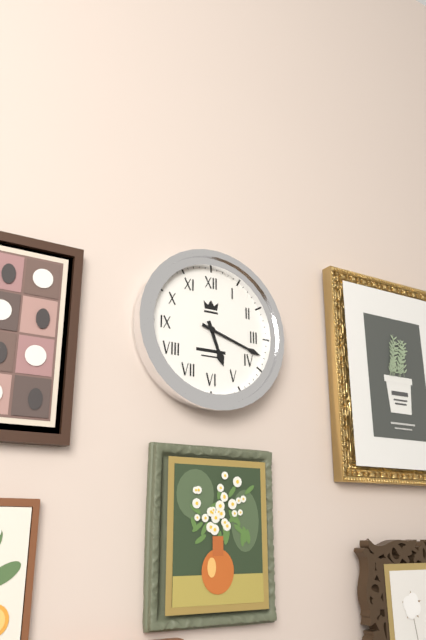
5 h 18 min
